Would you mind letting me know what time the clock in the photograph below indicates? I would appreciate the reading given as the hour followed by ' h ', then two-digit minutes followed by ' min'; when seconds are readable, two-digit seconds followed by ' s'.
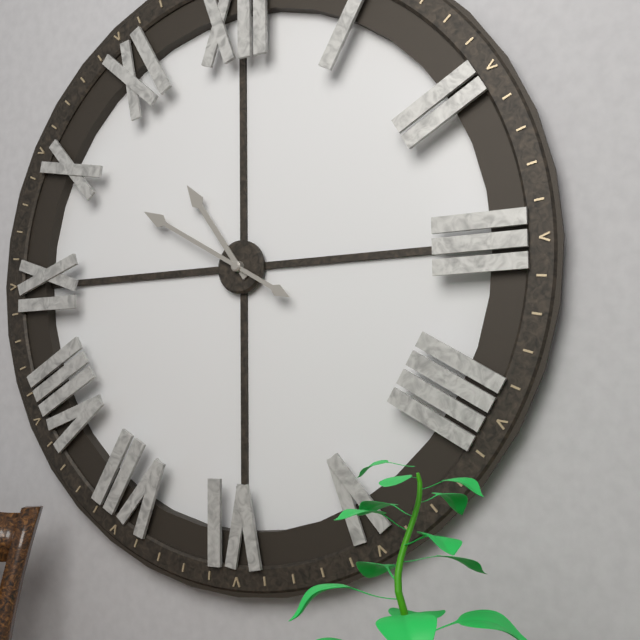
10 h 50 min
